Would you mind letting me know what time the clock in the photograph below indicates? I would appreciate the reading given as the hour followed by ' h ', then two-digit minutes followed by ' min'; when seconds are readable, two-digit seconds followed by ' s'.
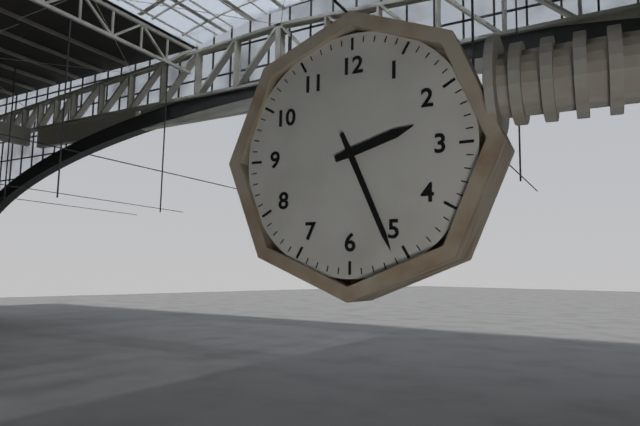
2 h 26 min
